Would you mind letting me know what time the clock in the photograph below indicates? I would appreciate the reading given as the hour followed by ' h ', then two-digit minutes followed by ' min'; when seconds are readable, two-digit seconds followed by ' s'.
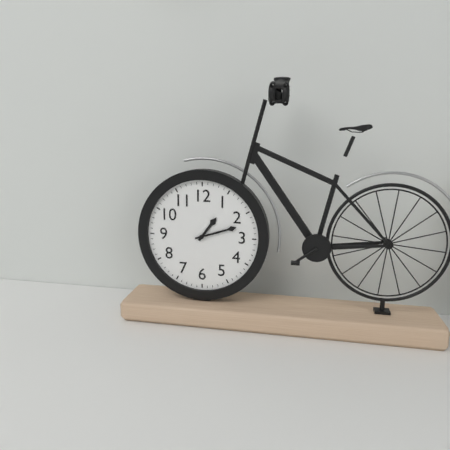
1 h 12 min
